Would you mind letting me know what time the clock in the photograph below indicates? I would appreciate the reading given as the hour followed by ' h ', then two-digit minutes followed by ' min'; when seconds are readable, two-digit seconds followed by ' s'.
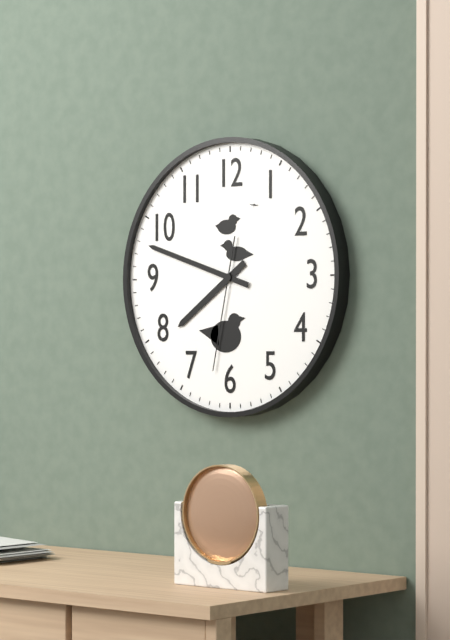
7 h 48 min 32 s
